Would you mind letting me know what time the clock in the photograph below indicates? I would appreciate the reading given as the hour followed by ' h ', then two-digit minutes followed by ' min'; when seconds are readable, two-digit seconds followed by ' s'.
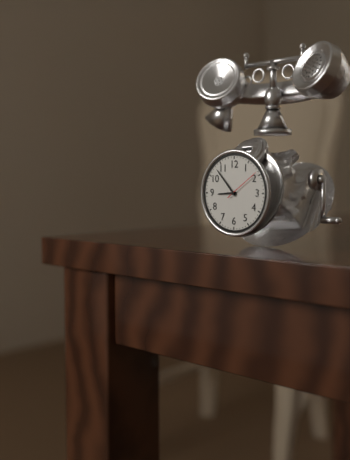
8 h 53 min
